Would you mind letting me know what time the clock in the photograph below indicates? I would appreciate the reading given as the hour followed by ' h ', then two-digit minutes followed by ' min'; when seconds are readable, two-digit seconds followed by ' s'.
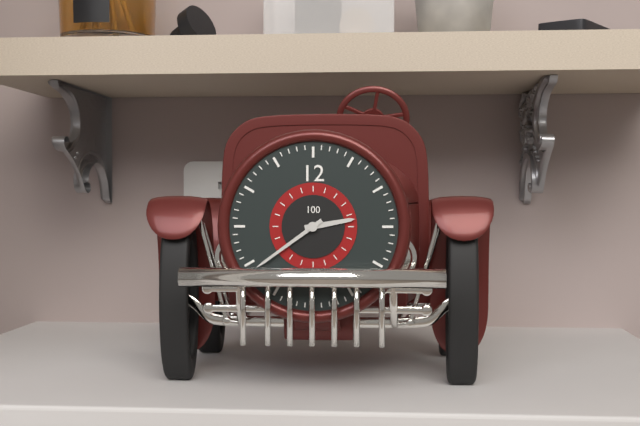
2 h 39 min
